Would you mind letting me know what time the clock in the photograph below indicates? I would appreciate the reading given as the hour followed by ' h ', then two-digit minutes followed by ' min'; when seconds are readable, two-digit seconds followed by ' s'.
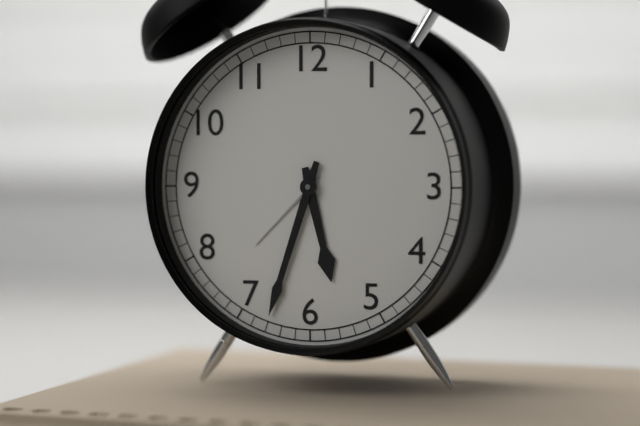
5 h 33 min
